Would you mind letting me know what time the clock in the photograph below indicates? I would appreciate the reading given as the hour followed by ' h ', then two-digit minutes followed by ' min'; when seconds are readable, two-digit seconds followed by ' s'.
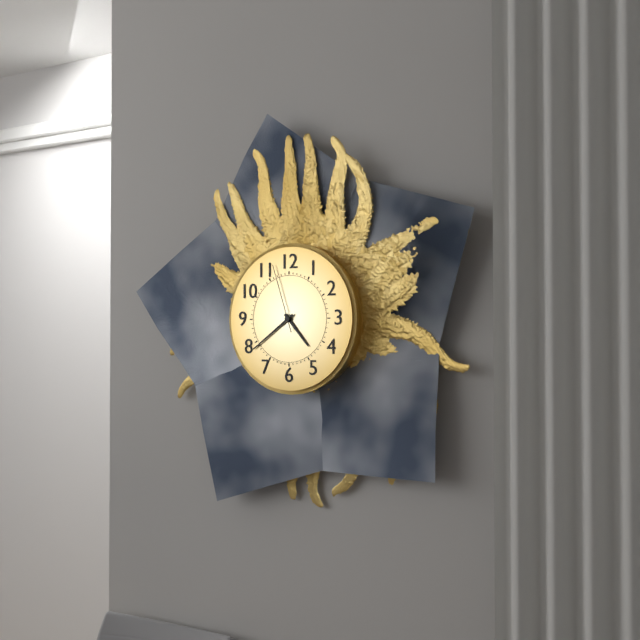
4 h 39 min 57 s
